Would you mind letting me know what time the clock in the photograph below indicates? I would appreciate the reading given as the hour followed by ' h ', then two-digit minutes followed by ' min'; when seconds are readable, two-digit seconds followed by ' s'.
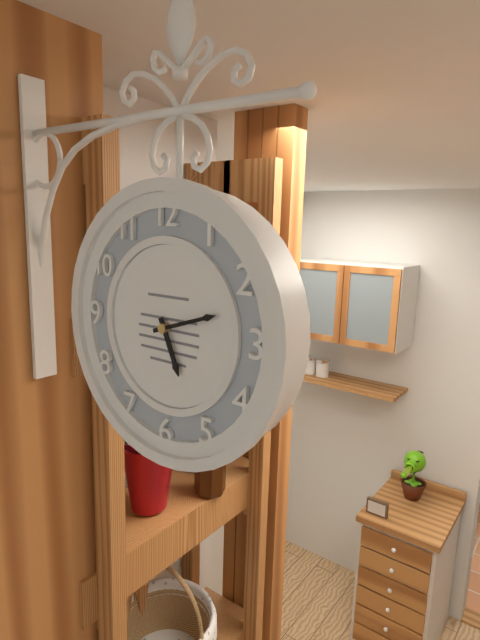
5 h 12 min
